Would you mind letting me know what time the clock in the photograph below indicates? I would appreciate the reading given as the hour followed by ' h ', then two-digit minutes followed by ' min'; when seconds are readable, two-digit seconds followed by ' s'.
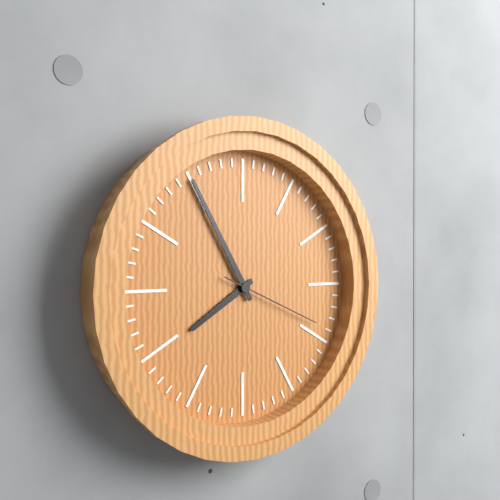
7 h 55 min 19 s
